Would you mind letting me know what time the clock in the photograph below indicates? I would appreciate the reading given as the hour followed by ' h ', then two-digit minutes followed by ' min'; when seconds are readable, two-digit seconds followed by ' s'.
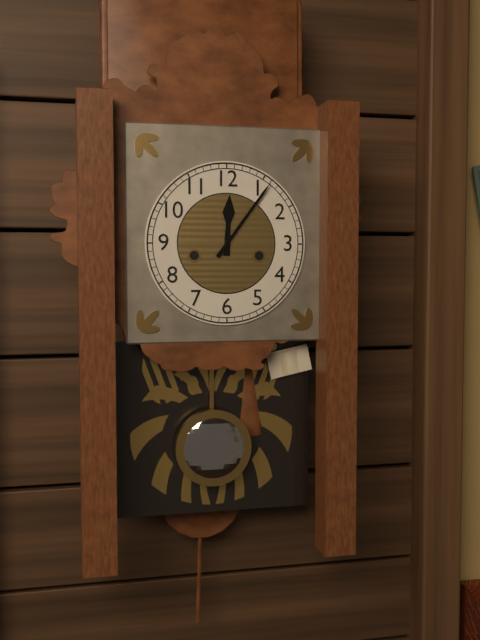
12 h 06 min
